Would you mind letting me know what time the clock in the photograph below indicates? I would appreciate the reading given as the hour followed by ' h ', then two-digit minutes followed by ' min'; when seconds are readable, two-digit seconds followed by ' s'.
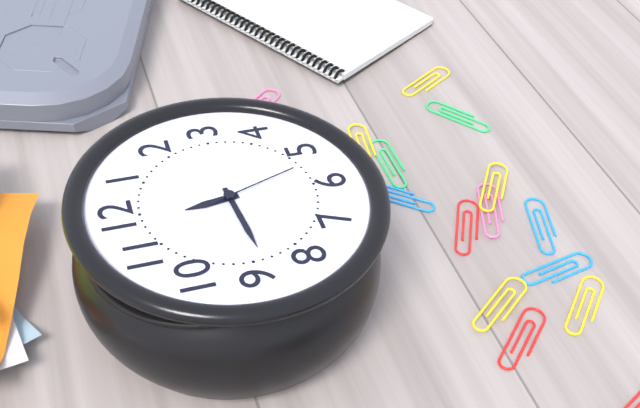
11 h 44 min 27 s
